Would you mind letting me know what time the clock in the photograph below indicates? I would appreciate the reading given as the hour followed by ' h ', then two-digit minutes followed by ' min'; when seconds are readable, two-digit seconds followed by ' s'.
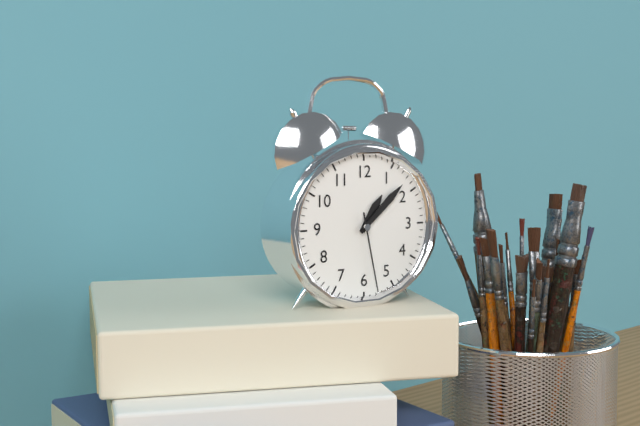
1 h 08 min 28 s
